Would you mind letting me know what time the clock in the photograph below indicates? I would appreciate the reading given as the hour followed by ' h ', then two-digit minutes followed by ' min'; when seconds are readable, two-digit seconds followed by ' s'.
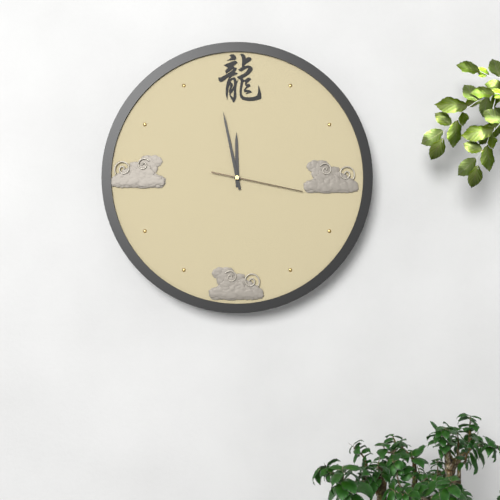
11 h 58 min 17 s
